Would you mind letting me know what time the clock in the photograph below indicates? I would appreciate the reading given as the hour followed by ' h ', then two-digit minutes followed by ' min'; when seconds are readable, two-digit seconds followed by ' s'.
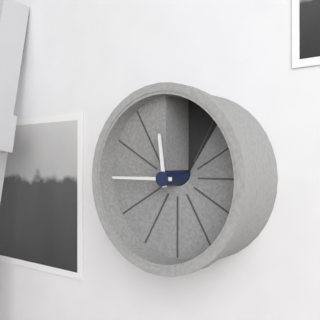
11 h 45 min
